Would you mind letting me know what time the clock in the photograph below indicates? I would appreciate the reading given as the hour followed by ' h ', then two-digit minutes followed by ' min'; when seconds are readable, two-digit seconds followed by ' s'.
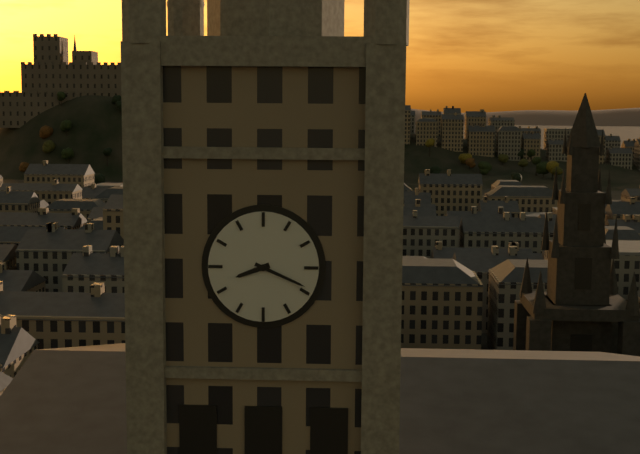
8 h 19 min
